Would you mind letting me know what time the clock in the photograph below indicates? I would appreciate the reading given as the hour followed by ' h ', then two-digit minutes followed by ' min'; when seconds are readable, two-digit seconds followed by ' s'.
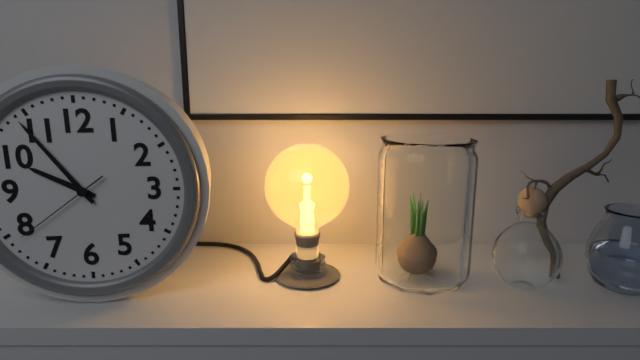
9 h 54 min 39 s
